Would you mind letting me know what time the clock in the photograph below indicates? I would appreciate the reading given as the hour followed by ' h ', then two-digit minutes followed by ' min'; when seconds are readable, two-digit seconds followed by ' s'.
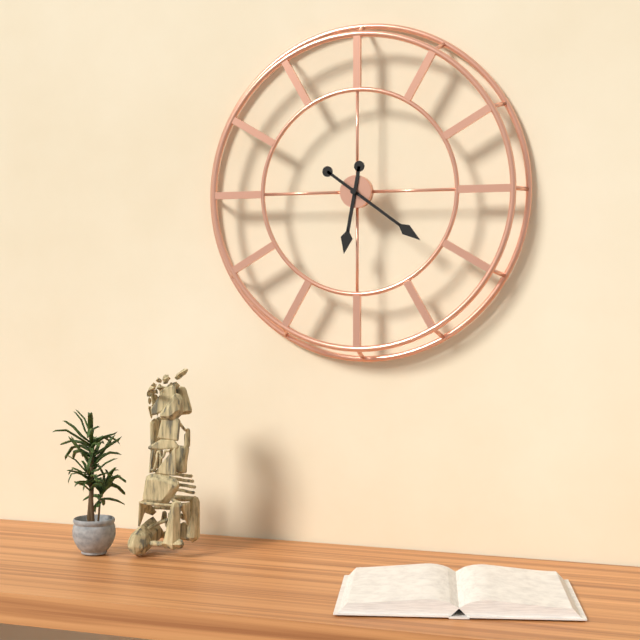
6 h 21 min
